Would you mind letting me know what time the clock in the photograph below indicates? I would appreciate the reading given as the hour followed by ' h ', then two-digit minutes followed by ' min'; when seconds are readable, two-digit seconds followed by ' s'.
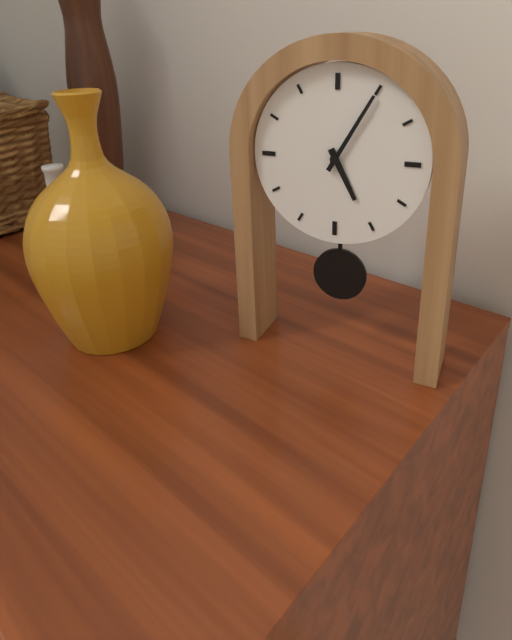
5 h 05 min
